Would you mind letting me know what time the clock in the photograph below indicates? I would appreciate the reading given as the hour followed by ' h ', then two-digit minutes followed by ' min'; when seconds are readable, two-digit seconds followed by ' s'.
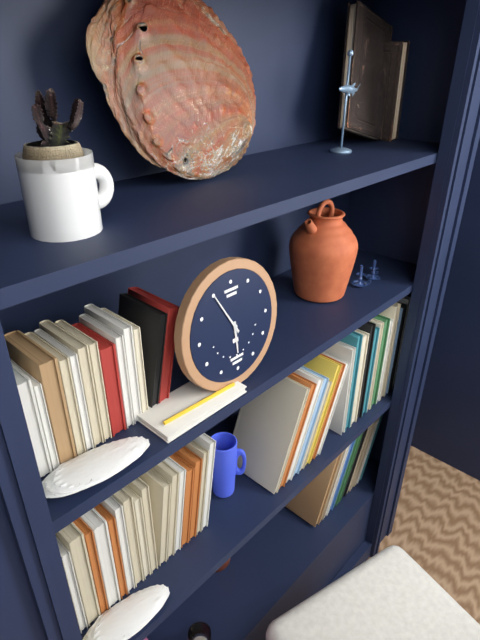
5 h 55 min
